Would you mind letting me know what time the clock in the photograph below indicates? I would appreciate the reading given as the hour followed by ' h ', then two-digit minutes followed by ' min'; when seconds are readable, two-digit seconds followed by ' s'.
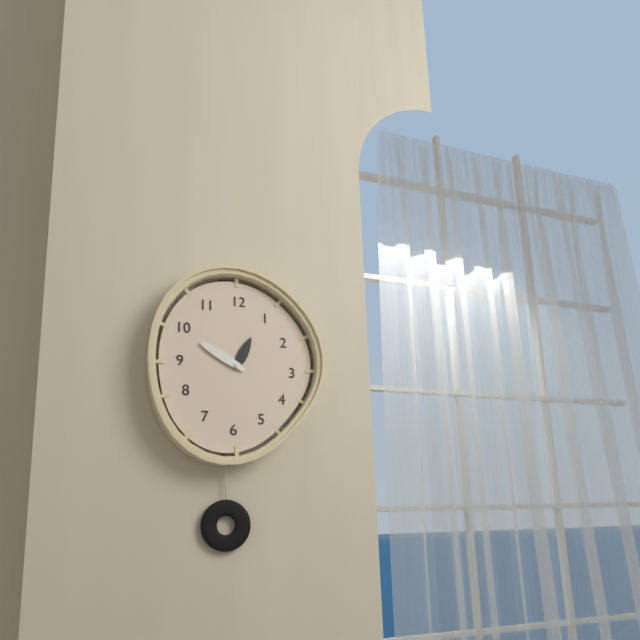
12 h 50 min
